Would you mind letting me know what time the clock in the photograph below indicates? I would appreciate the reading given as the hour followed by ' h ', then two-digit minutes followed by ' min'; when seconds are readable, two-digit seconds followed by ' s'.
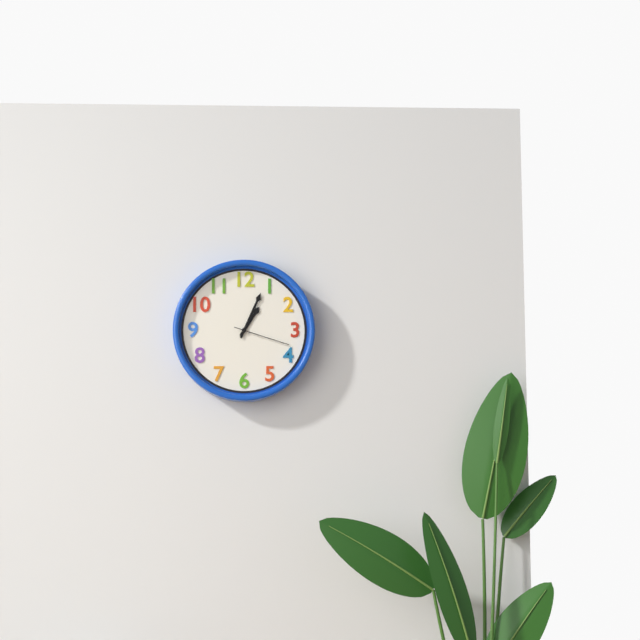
1 h 04 min 18 s
